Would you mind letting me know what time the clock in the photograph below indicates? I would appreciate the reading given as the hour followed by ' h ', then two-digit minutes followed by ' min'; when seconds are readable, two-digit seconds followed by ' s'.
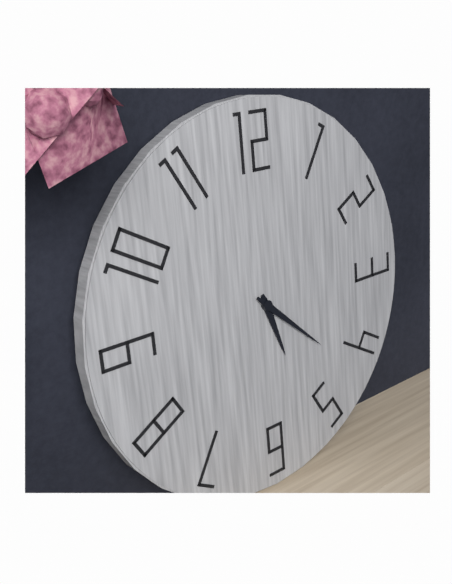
5 h 22 min
